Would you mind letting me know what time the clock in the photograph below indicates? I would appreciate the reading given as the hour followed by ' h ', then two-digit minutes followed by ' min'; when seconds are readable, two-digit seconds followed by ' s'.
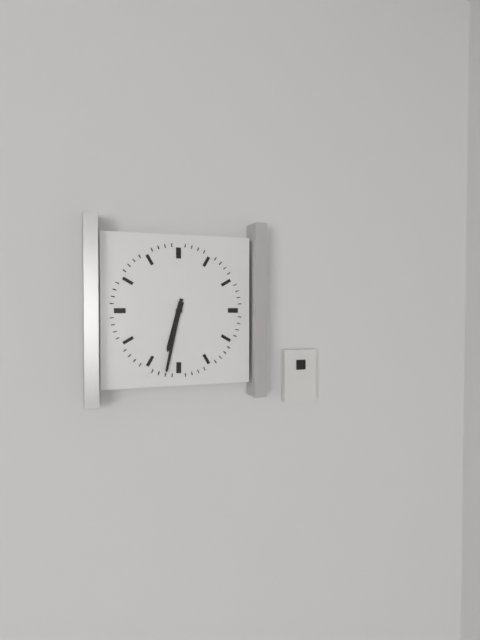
6 h 32 min
